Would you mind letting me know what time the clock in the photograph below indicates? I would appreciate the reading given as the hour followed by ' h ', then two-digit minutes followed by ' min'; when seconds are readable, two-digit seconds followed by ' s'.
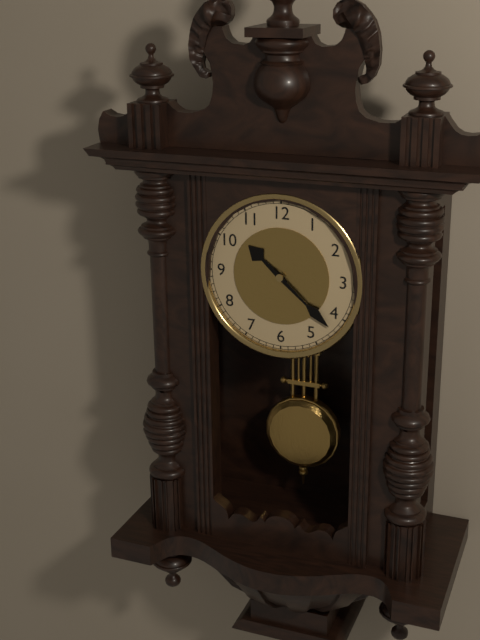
10 h 22 min
